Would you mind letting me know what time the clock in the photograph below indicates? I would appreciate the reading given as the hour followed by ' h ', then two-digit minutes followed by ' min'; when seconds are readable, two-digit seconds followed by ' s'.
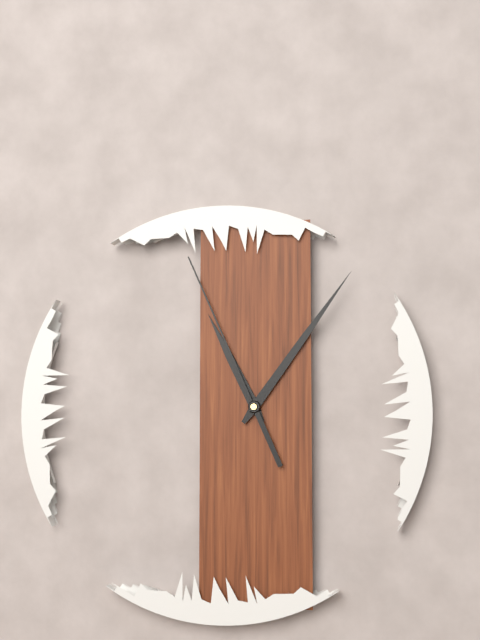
11 h 06 min 56 s
